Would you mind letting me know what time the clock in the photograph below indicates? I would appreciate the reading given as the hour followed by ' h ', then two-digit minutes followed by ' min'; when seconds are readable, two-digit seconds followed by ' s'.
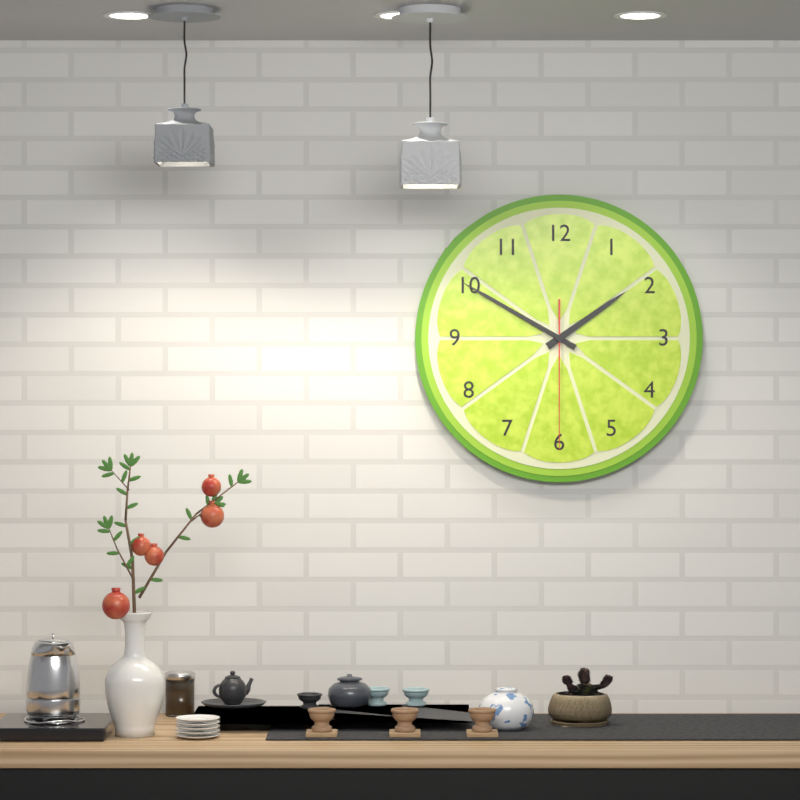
1 h 50 min 30 s
